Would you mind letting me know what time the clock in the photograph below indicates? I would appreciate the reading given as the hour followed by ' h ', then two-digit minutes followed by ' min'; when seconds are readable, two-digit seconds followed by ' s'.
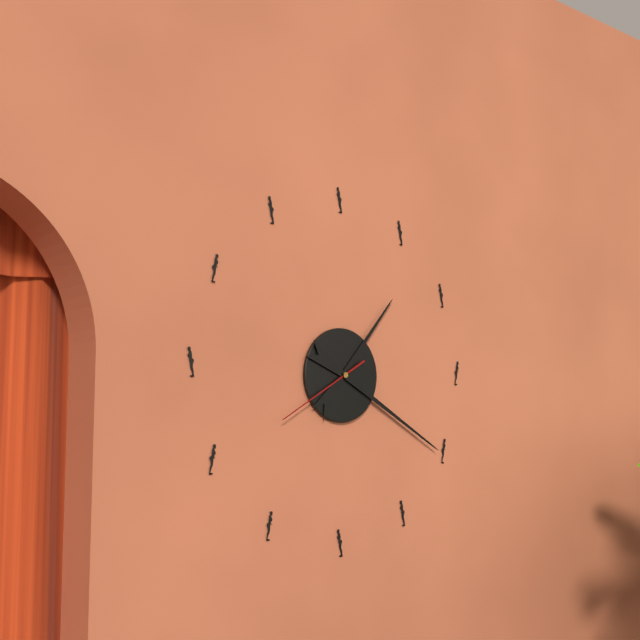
1 h 20 min 40 s
